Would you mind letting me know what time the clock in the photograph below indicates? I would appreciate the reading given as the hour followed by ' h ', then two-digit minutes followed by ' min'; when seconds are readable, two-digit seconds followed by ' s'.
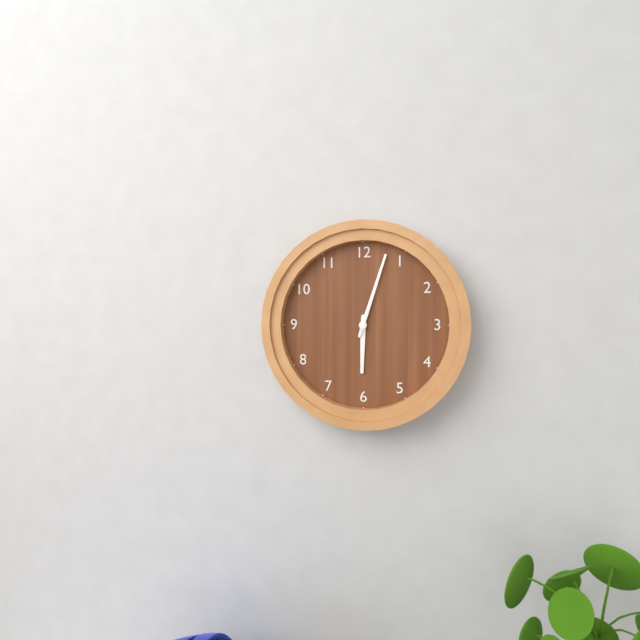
6 h 03 min
